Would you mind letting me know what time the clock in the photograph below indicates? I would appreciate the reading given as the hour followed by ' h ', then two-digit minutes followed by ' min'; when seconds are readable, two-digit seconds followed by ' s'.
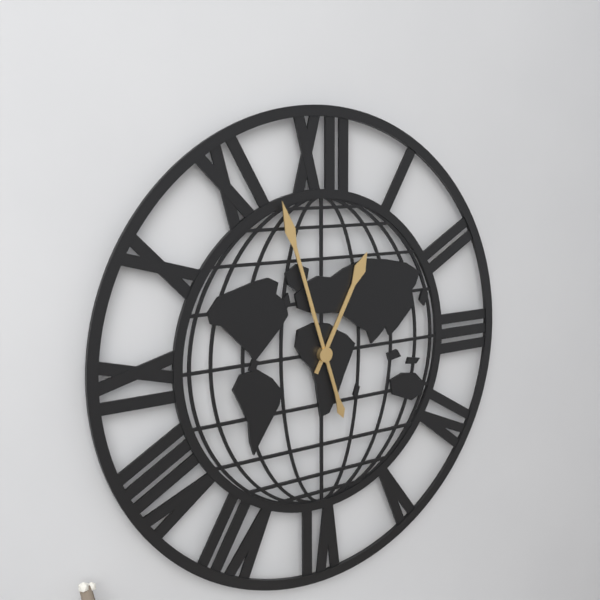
12 h 57 min
